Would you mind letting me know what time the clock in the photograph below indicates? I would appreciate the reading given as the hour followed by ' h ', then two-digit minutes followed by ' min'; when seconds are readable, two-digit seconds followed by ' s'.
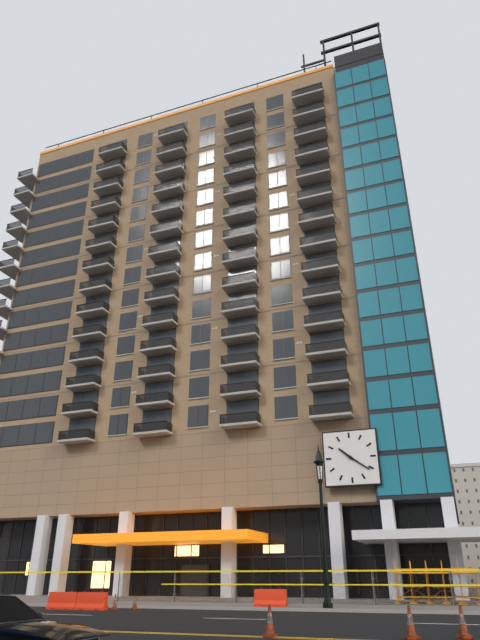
10 h 21 min
